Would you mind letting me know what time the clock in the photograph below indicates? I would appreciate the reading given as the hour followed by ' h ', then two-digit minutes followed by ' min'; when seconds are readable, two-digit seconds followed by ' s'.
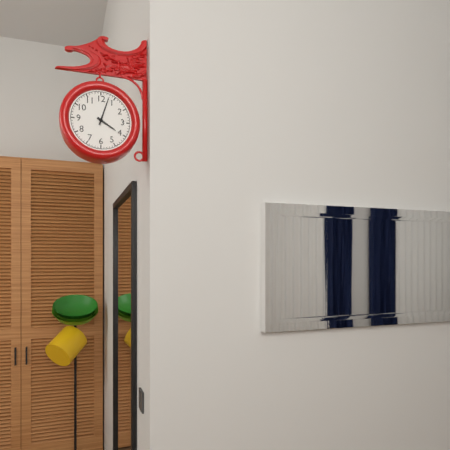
4 h 03 min
